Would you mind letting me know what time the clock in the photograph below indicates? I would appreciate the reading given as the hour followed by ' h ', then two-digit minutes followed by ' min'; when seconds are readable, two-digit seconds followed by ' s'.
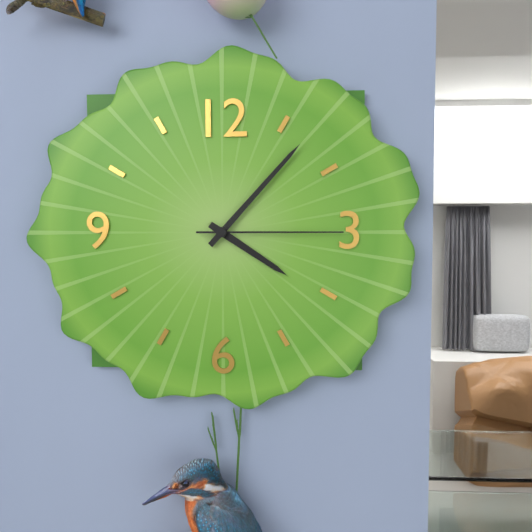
4 h 07 min 15 s
